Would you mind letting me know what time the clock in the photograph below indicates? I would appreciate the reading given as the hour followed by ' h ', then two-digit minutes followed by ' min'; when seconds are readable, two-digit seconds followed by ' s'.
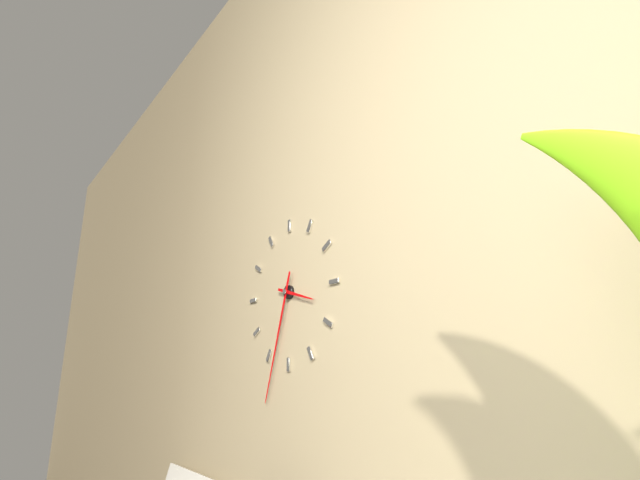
3 h 33 min
